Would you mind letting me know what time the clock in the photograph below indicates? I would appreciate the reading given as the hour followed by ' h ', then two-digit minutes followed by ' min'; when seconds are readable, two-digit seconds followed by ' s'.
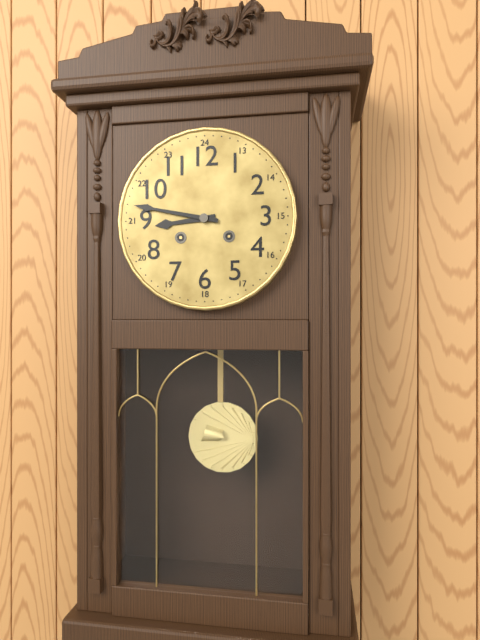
8 h 47 min
